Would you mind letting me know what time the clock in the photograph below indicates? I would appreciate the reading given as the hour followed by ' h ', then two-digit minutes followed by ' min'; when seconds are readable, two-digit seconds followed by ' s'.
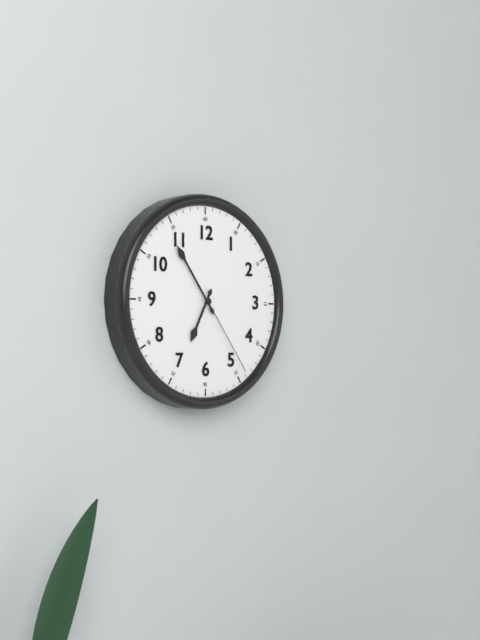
6 h 54 min 24 s
